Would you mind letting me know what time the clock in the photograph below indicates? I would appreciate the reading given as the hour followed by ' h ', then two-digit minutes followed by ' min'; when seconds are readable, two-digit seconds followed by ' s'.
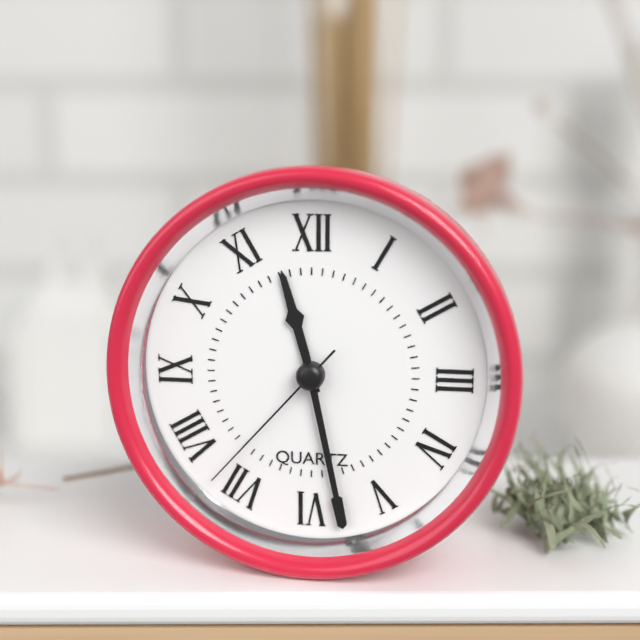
11 h 28 min 37 s
